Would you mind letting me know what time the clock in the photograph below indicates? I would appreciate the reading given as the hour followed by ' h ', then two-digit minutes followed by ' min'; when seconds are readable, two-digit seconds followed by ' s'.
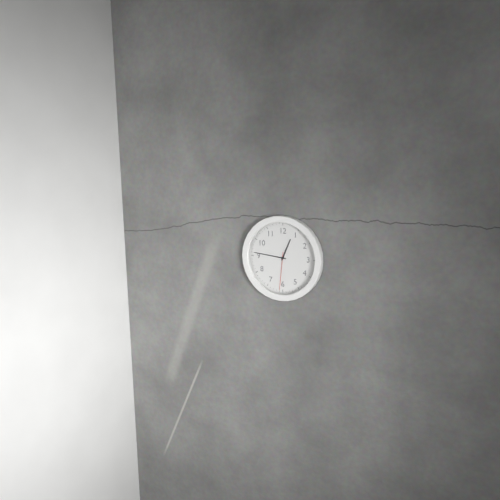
12 h 46 min
